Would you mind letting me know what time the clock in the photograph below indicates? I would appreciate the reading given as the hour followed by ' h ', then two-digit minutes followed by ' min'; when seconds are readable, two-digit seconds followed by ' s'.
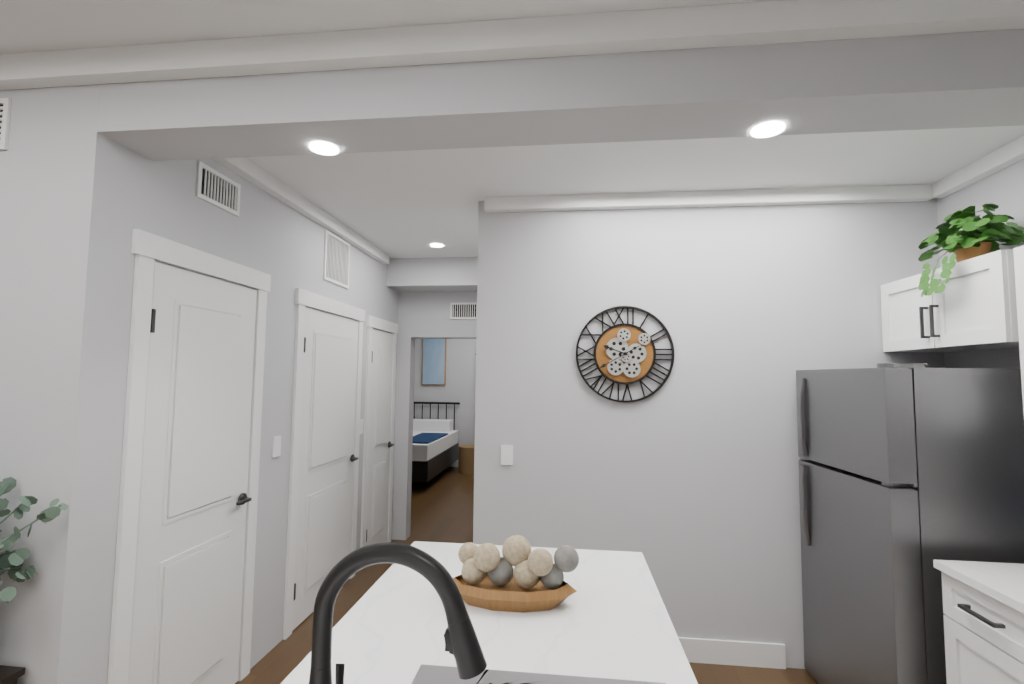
9 h 40 min
